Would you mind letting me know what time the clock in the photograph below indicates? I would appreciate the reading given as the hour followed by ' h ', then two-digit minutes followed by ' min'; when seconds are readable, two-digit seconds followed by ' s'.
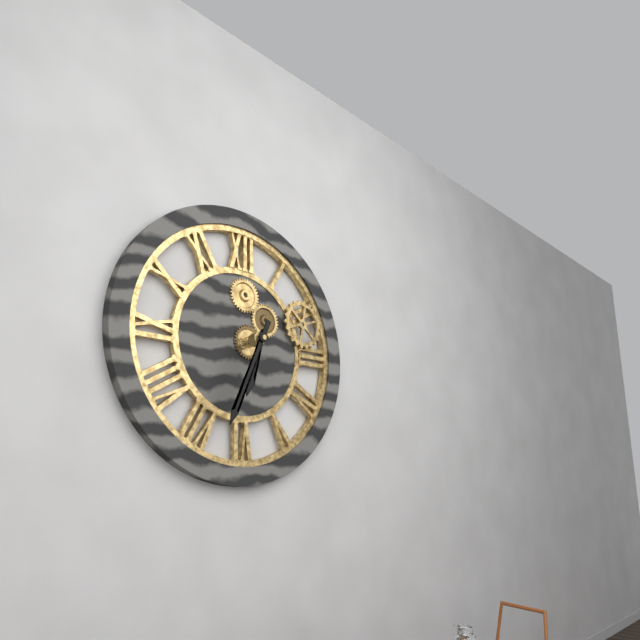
6 h 34 min
